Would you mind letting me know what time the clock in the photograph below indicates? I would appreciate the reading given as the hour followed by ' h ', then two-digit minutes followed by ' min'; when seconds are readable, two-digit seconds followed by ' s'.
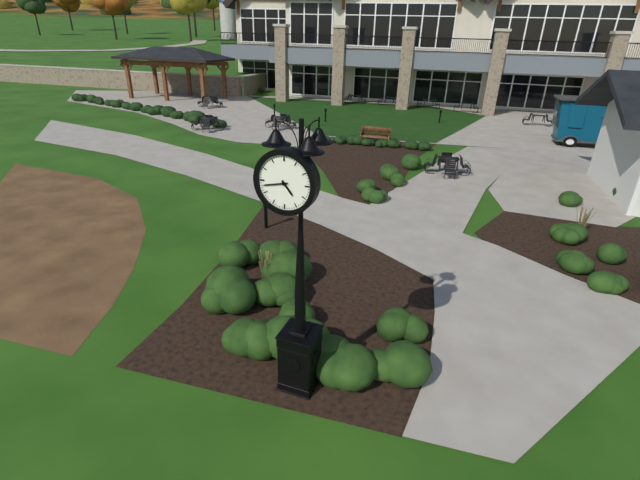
4 h 43 min
